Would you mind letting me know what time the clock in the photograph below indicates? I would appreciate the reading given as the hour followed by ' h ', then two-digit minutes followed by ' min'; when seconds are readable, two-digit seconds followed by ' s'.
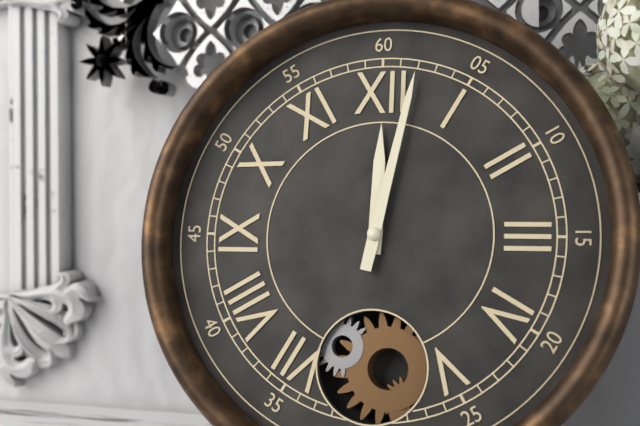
12 h 02 min
